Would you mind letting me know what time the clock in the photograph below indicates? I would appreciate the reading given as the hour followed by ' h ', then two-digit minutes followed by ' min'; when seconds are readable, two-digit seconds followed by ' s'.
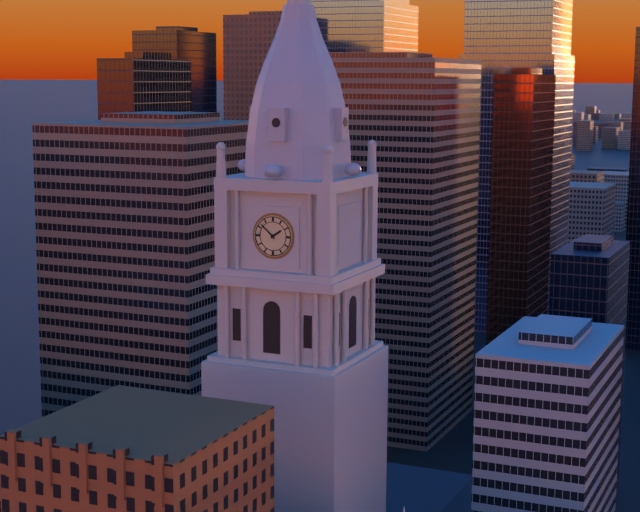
1 h 52 min
